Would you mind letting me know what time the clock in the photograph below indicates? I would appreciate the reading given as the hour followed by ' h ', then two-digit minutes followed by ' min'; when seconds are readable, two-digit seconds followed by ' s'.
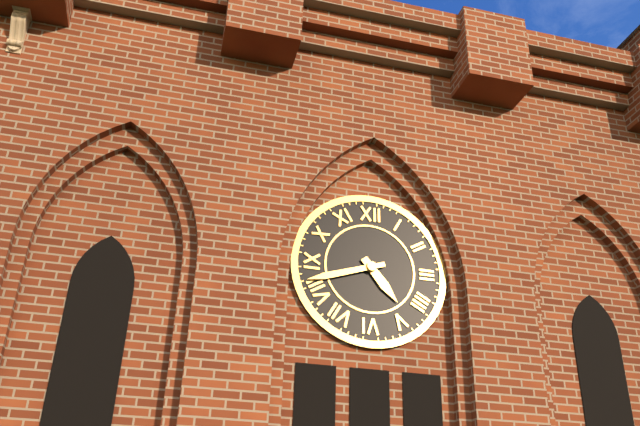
4 h 42 min
